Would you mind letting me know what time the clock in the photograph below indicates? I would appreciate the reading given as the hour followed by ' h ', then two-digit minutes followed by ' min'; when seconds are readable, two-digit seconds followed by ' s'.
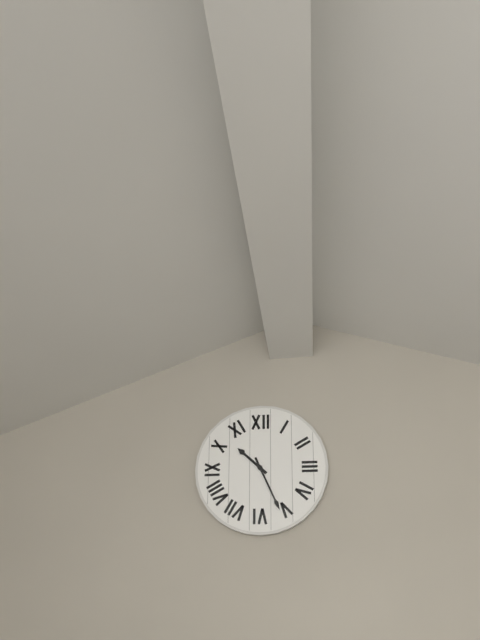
10 h 26 min
